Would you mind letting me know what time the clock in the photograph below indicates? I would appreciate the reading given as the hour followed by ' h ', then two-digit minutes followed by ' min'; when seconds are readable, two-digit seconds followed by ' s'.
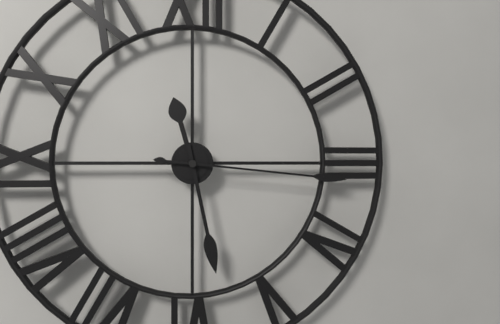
11 h 28 min 16 s
